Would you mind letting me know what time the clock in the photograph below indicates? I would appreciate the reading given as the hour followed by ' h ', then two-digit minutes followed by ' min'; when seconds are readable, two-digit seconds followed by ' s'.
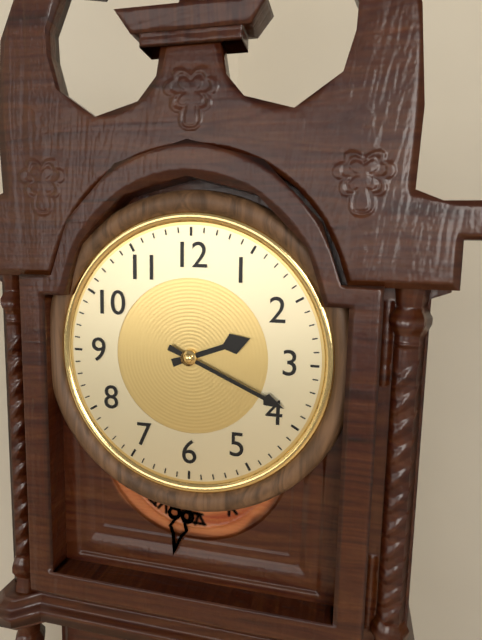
2 h 19 min
